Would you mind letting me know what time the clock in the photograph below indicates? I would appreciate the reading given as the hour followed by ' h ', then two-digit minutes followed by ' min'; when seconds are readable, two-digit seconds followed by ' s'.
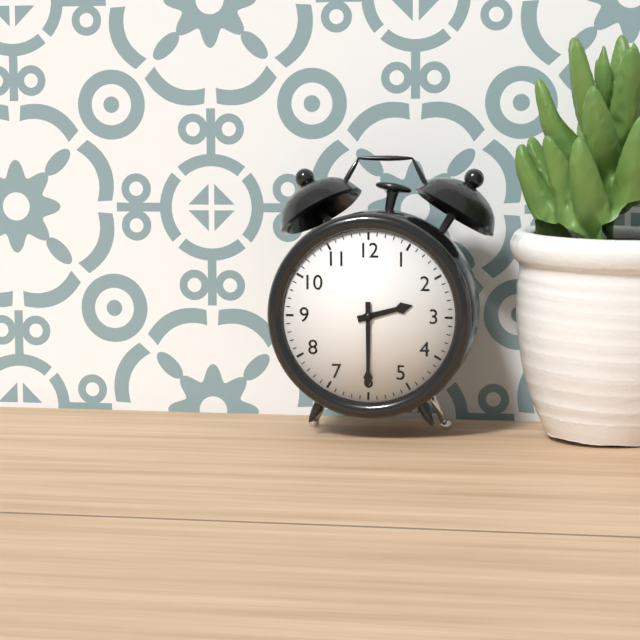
2 h 30 min
